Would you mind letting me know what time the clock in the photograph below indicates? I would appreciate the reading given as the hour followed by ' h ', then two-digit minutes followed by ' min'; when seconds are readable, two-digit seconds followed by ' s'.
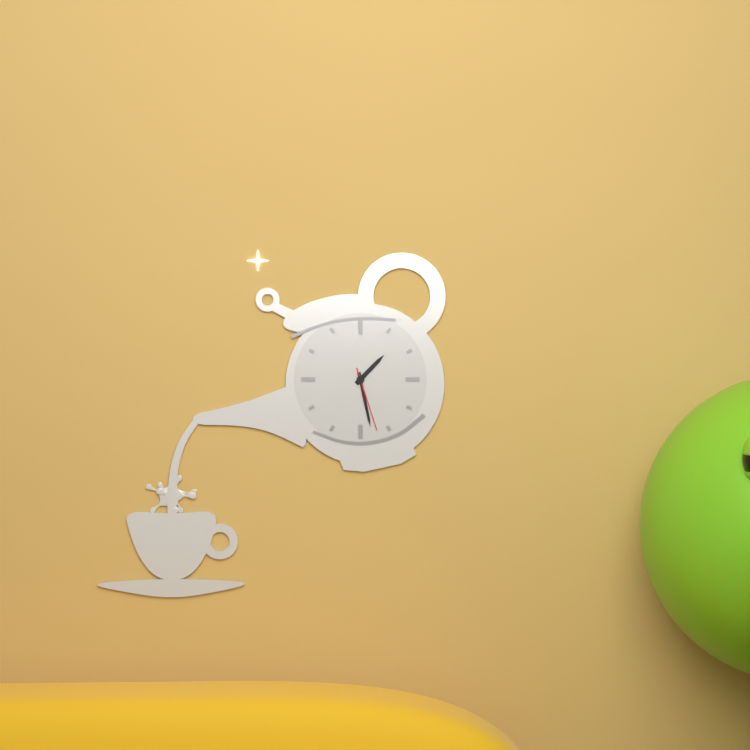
1 h 28 min 27 s
